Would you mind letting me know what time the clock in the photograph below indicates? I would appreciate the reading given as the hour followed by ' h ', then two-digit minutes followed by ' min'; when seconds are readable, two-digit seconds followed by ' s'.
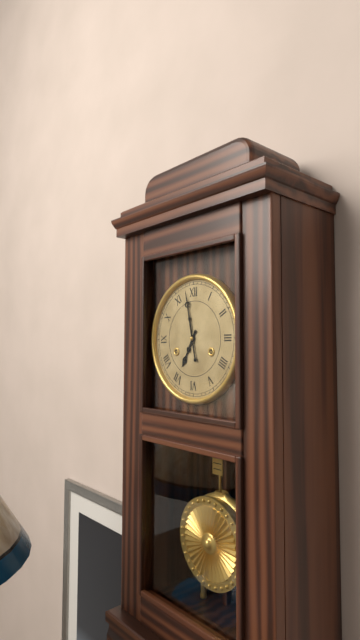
6 h 58 min
